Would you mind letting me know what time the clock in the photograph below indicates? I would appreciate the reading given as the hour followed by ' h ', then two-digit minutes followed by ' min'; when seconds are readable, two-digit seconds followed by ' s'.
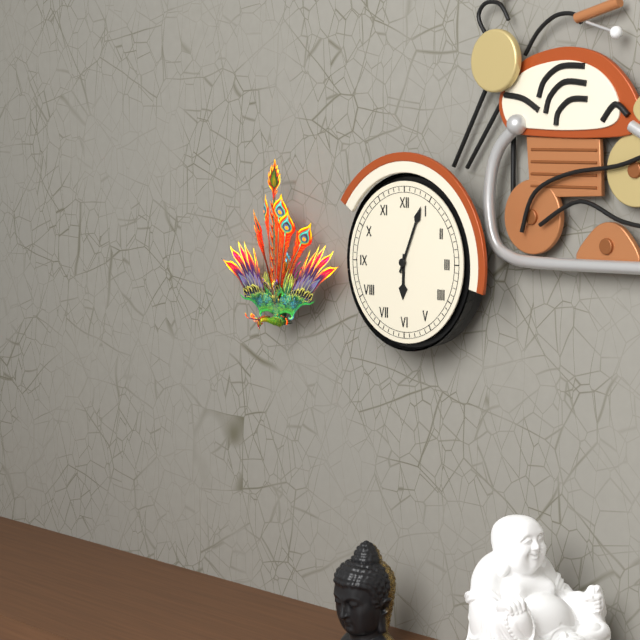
6 h 04 min
